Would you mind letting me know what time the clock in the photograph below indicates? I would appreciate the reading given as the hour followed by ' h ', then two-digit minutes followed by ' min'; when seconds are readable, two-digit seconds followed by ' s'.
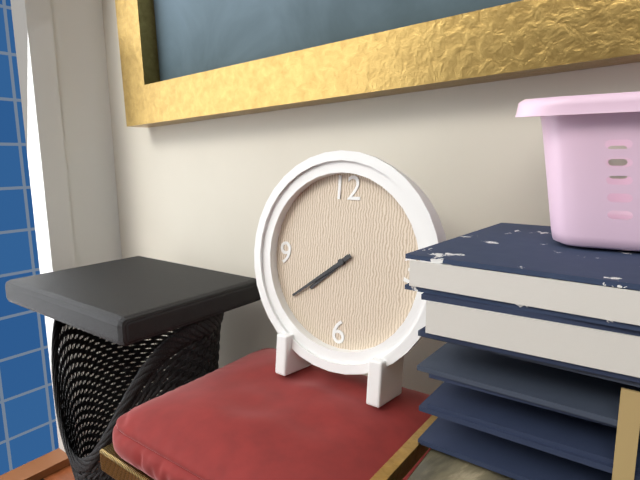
7 h 39 min
